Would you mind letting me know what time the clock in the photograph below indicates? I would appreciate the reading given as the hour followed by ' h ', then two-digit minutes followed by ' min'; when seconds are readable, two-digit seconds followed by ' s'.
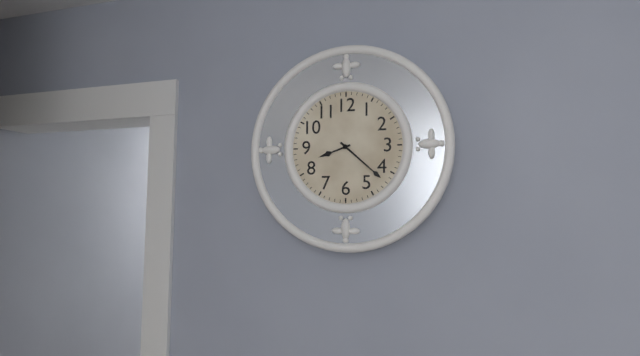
8 h 22 min
